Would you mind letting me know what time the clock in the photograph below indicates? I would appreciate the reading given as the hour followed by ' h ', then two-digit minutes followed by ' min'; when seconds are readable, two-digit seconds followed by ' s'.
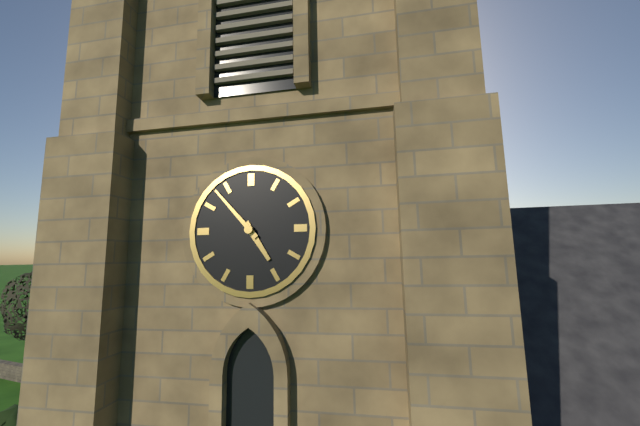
4 h 53 min
